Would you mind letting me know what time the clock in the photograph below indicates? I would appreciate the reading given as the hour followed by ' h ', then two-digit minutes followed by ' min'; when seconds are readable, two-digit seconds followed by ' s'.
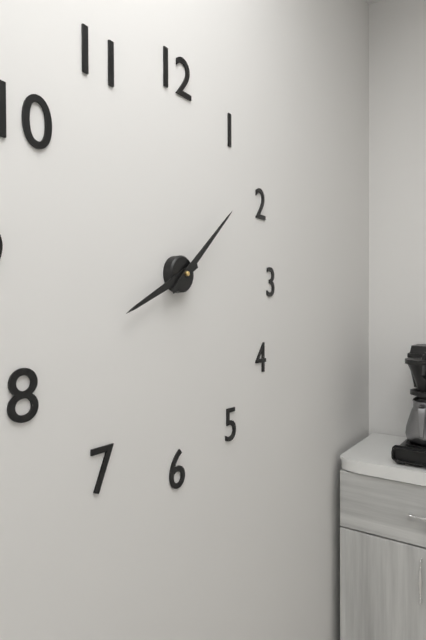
8 h 08 min
